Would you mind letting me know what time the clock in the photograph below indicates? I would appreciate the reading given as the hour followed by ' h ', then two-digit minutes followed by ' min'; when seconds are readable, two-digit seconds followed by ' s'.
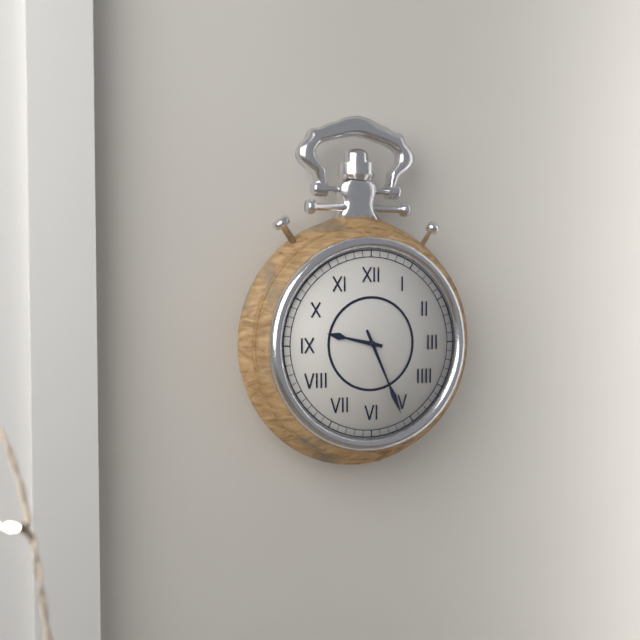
9 h 26 min
